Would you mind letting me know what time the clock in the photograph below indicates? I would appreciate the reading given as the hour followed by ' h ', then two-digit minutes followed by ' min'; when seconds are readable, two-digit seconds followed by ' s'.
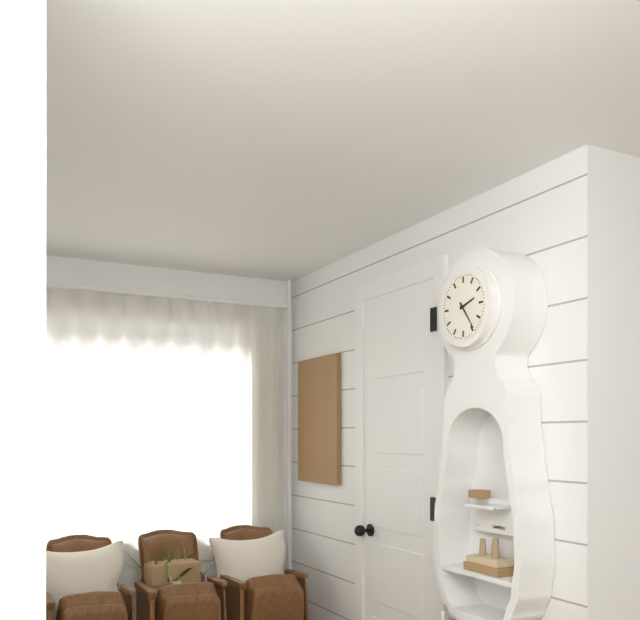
2 h 24 min
